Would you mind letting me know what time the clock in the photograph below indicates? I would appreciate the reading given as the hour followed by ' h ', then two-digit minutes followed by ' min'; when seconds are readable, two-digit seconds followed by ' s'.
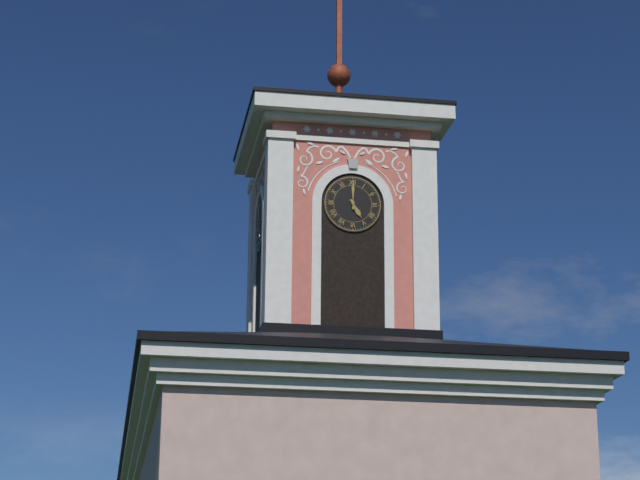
5 h 00 min
